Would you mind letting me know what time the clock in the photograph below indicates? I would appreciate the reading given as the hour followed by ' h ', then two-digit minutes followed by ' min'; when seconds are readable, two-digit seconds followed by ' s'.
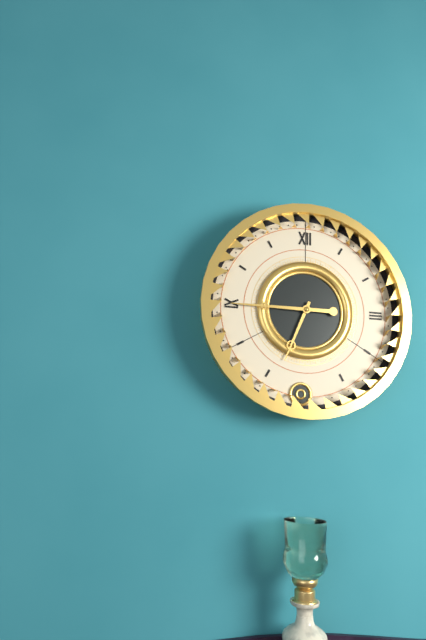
6 h 45 min
